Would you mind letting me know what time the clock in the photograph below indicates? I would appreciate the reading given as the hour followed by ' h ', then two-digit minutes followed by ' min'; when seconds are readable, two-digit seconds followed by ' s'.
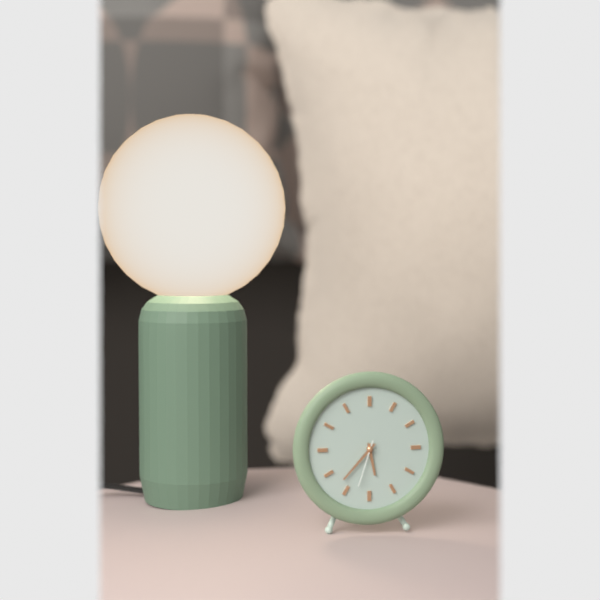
5 h 37 min
